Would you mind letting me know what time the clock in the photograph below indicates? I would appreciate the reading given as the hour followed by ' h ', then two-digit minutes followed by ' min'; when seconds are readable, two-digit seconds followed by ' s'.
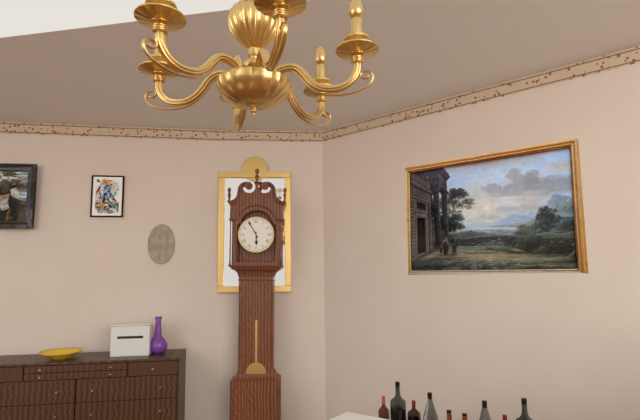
5 h 55 min
